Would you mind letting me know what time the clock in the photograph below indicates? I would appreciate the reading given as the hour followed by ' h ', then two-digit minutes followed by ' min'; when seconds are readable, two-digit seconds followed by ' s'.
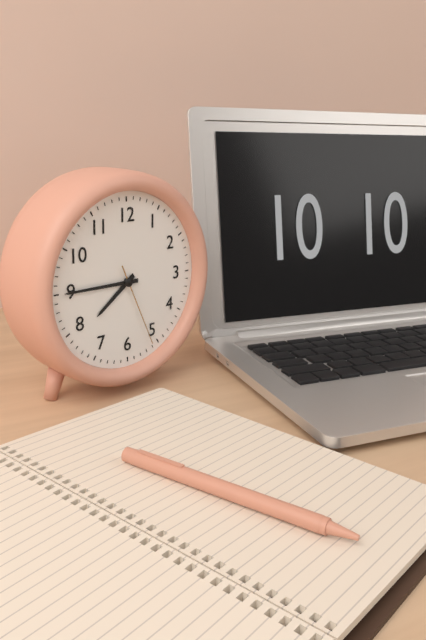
7 h 45 min 26 s
